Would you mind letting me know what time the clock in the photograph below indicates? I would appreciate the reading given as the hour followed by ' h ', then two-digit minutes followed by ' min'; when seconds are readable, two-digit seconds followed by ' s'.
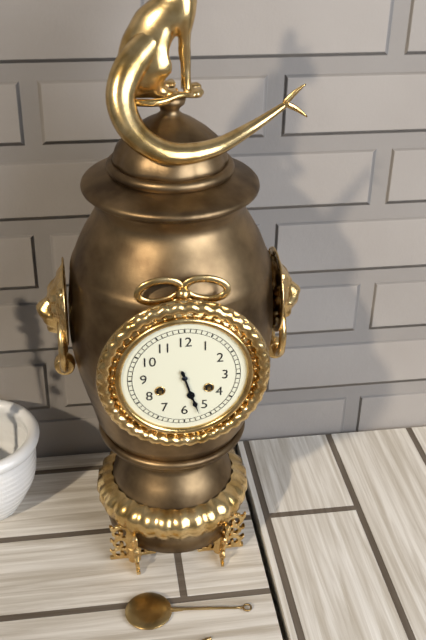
5 h 27 min
